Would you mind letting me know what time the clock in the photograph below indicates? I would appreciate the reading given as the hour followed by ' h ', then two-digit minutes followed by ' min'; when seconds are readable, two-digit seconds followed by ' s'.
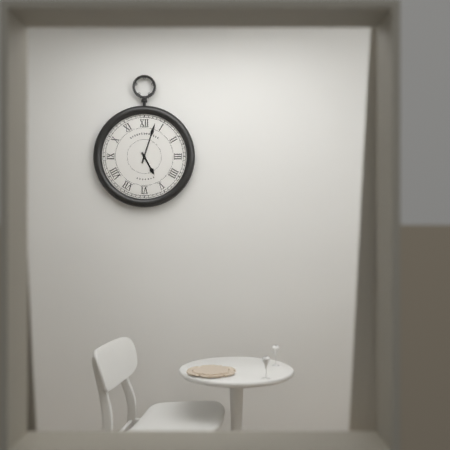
5 h 03 min
